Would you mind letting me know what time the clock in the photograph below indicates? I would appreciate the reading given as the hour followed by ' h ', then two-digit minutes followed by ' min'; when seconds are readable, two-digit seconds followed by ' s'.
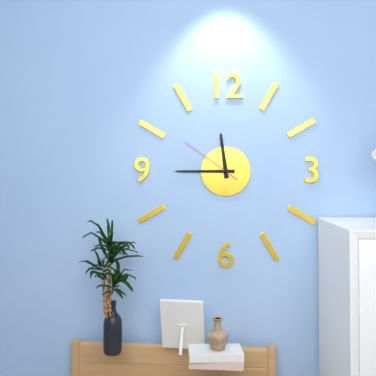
11 h 45 min 51 s
